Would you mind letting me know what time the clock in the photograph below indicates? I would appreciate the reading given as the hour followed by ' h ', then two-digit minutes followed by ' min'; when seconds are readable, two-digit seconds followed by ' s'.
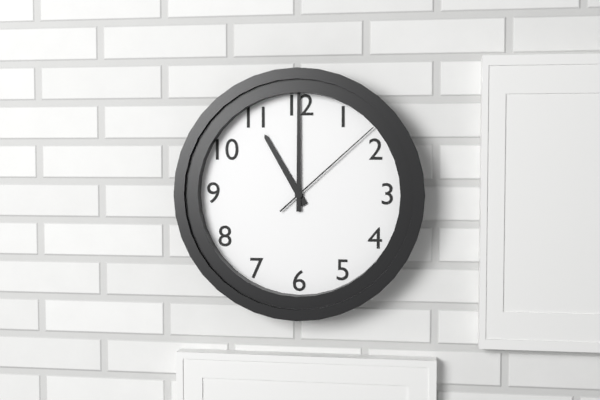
11 h 00 min 08 s
